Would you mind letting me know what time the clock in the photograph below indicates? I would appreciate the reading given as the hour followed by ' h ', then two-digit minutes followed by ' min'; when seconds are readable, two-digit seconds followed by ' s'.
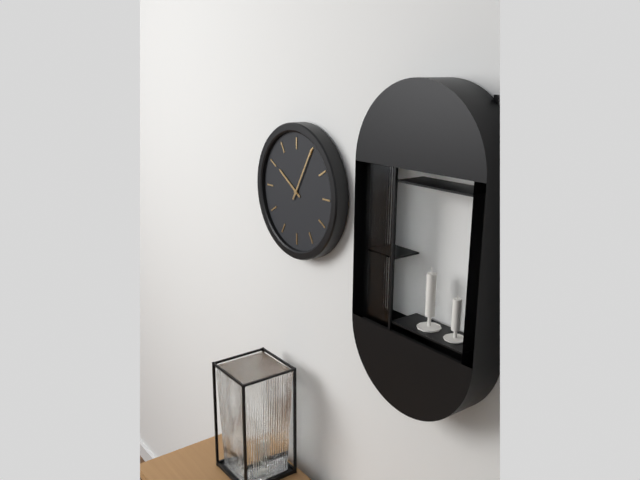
10 h 05 min
